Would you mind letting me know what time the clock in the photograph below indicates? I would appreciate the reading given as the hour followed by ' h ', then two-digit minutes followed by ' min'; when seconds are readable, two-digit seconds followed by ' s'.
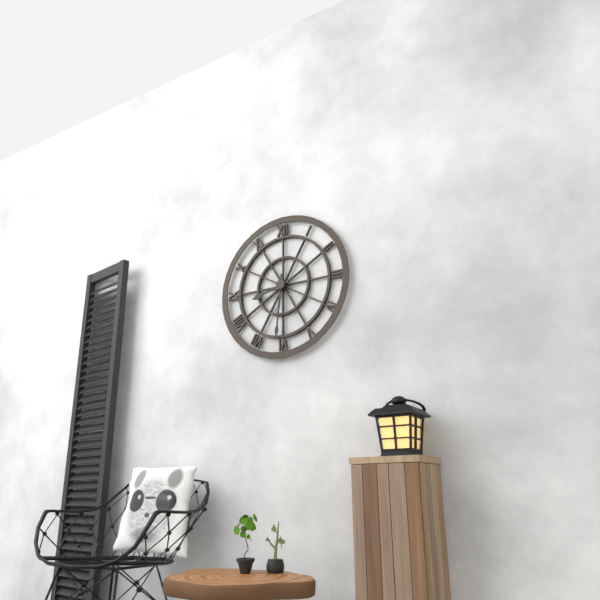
8 h 31 min
